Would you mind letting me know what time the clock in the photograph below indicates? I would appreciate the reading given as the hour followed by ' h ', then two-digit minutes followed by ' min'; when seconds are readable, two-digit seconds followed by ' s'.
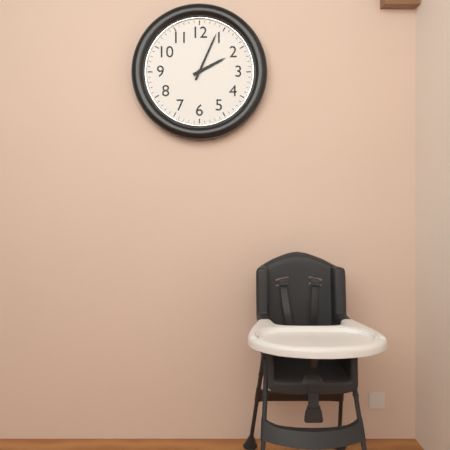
2 h 04 min
